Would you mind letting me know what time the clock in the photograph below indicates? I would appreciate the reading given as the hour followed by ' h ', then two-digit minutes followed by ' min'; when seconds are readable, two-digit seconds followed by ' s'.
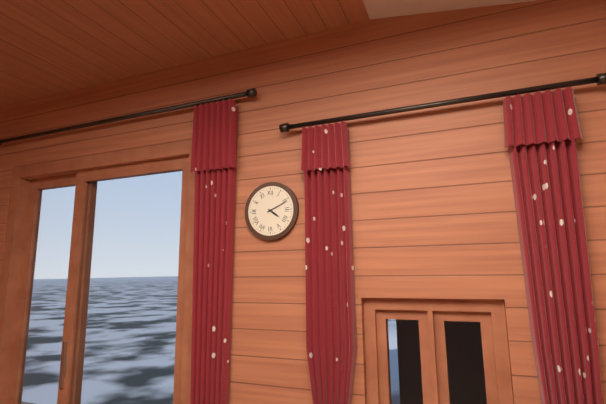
4 h 11 min
